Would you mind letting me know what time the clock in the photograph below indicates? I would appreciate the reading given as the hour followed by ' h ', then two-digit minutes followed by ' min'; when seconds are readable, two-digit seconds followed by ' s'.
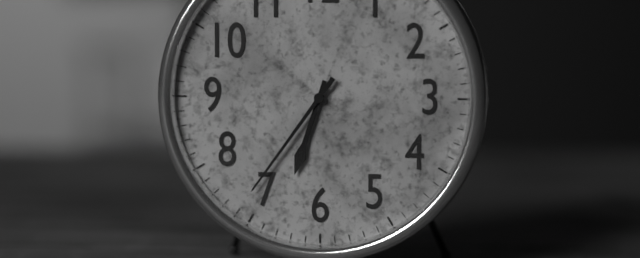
6 h 36 min
